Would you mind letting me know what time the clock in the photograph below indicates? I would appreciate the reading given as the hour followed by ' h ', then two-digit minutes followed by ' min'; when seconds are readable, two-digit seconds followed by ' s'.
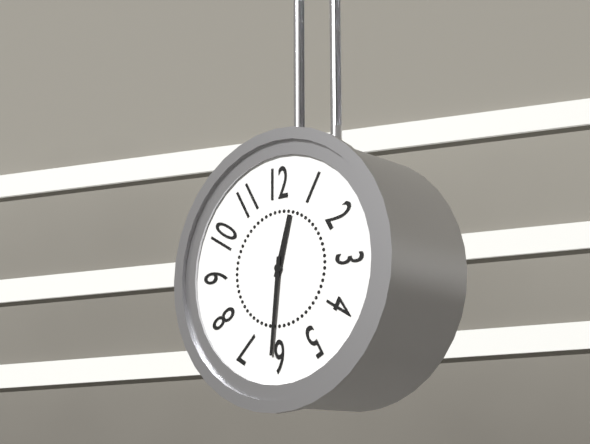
12 h 31 min
